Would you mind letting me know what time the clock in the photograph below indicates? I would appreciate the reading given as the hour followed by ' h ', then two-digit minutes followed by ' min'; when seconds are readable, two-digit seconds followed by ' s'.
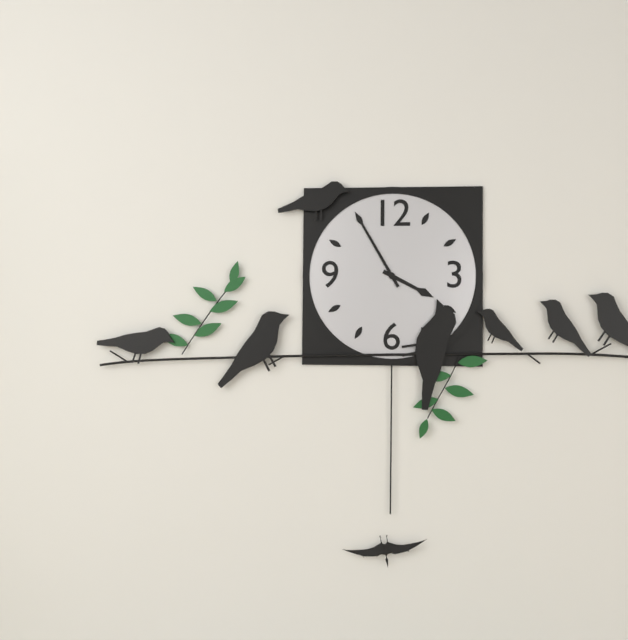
3 h 55 min
